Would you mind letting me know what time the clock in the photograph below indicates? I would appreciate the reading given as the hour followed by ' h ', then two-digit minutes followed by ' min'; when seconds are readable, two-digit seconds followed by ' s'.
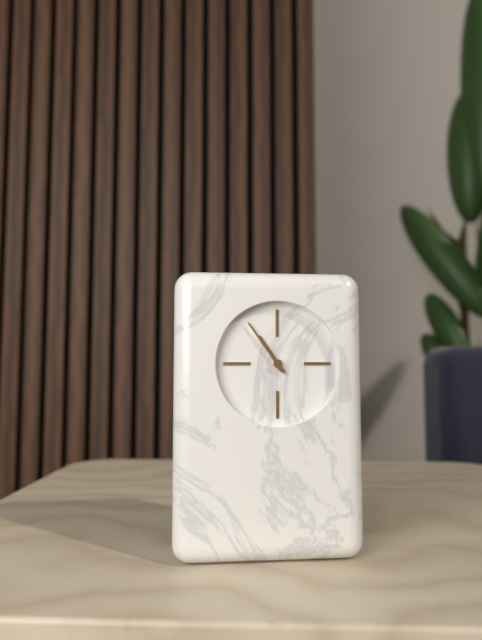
10 h 54 min
